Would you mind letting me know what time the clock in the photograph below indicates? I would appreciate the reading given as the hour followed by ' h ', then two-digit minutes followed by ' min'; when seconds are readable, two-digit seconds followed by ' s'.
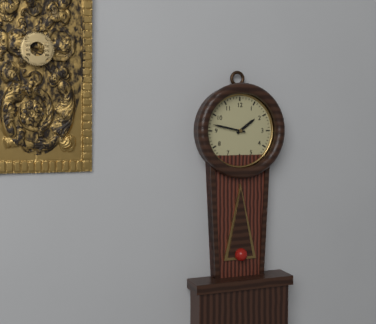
1 h 47 min
